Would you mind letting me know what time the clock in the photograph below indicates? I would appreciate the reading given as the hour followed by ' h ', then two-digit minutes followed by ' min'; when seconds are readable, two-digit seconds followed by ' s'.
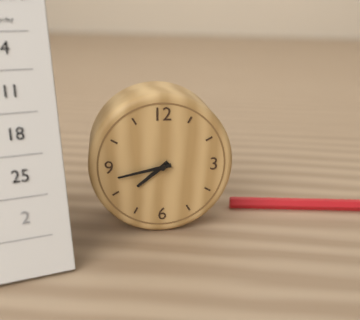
7 h 43 min
